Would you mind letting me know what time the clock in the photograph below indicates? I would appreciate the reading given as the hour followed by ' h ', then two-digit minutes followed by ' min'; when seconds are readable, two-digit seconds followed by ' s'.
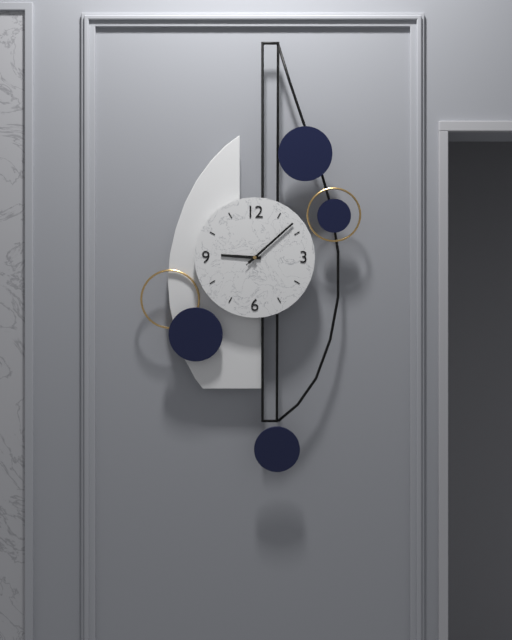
9 h 08 min 08 s
